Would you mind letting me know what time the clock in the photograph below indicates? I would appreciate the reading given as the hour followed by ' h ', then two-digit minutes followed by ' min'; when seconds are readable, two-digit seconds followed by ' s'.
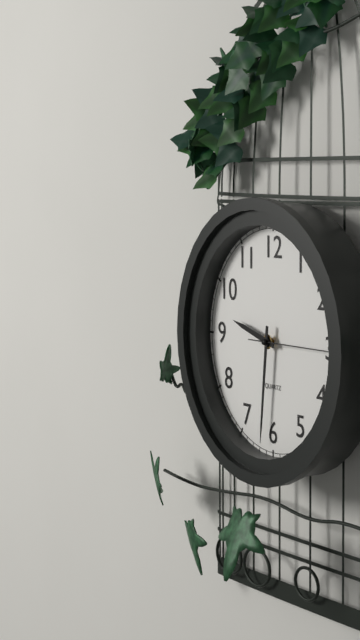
9 h 31 min 15 s
